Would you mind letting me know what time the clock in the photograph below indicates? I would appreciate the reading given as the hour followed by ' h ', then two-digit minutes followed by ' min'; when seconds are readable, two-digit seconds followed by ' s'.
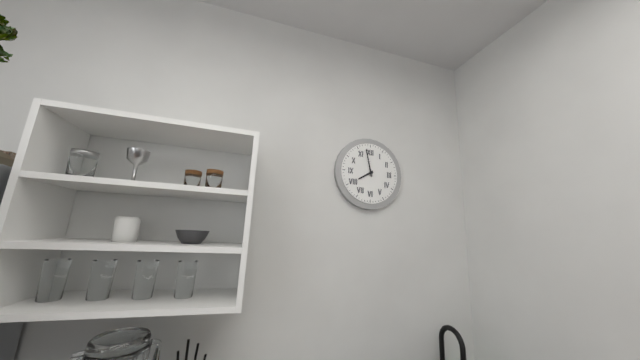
7 h 58 min
